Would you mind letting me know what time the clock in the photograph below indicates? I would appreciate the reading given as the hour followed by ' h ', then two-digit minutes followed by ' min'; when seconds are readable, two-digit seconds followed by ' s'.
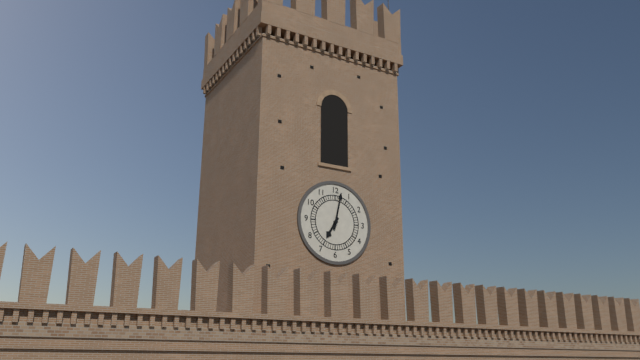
7 h 02 min
